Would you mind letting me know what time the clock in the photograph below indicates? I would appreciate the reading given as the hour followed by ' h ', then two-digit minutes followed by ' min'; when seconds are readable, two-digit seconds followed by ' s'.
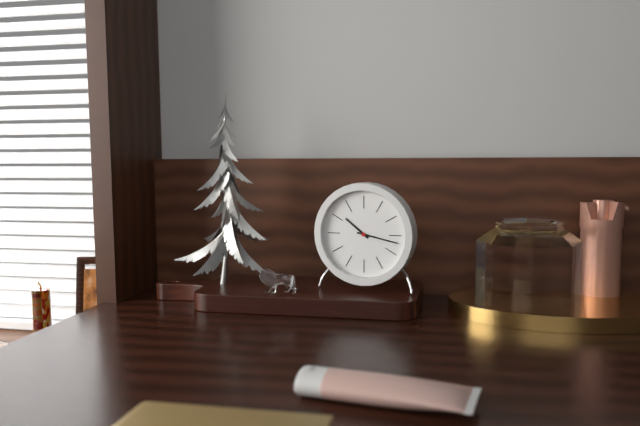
10 h 17 min
